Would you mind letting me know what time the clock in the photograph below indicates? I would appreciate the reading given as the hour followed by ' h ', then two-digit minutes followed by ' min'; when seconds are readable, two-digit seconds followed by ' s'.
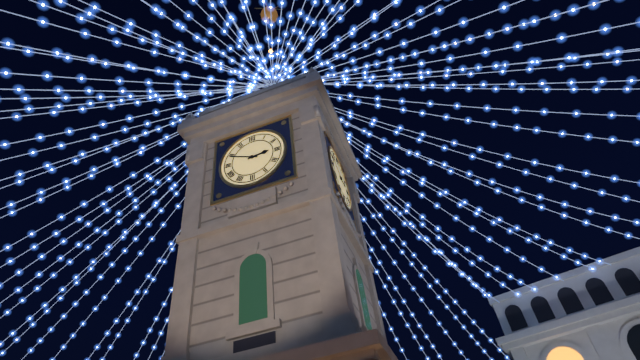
2 h 49 min
